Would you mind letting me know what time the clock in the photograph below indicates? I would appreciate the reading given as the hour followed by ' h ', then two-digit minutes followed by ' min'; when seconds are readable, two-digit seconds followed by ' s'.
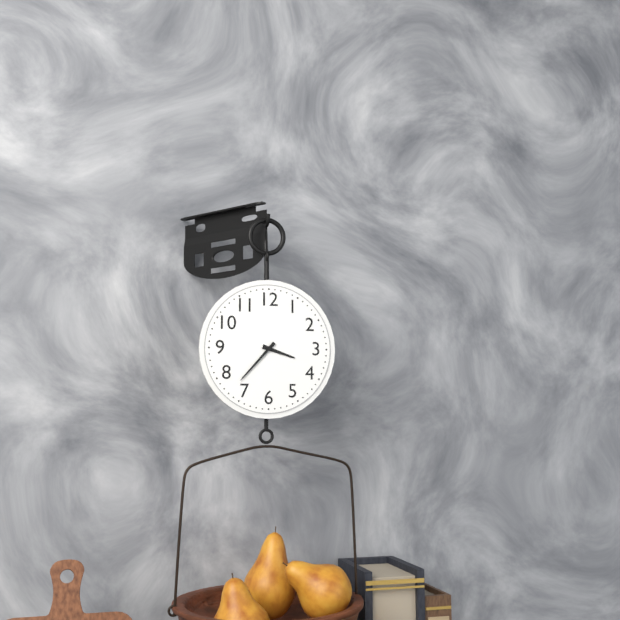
3 h 37 min
